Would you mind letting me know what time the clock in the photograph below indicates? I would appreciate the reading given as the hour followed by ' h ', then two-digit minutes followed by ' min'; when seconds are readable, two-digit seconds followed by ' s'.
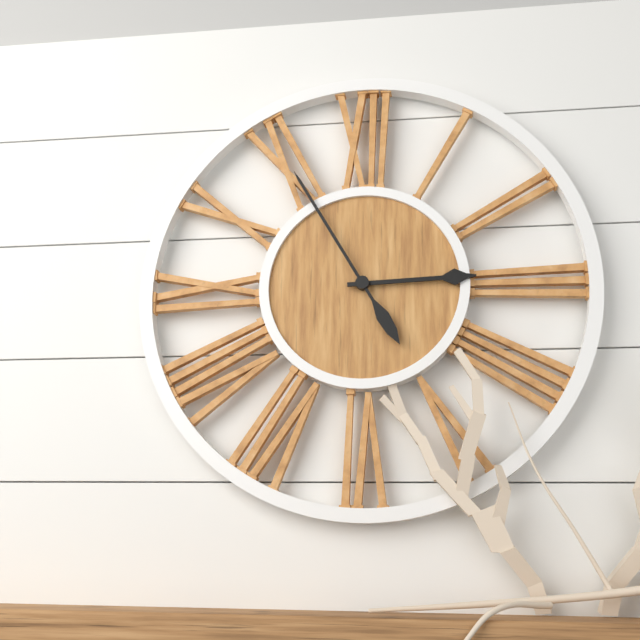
2 h 55 min
